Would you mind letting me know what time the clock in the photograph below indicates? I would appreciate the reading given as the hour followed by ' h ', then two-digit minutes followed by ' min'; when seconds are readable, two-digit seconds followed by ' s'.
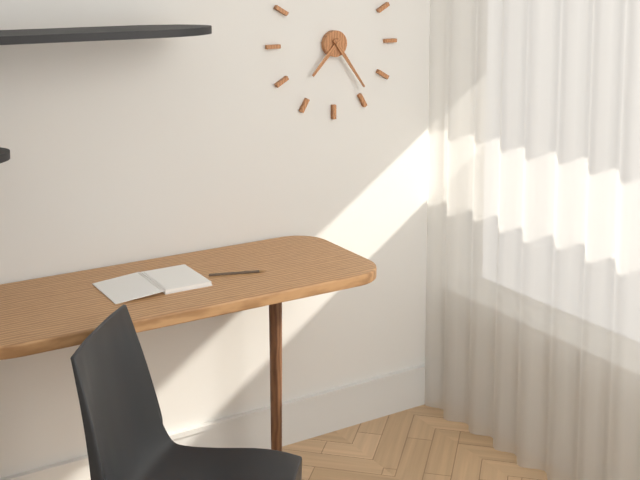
7 h 24 min
